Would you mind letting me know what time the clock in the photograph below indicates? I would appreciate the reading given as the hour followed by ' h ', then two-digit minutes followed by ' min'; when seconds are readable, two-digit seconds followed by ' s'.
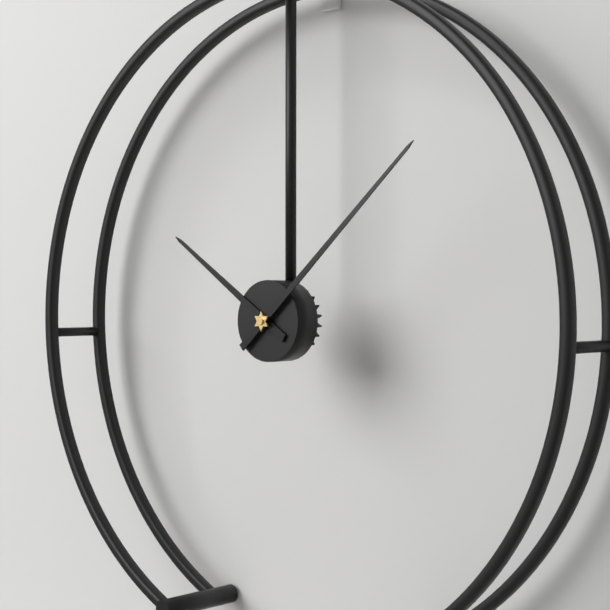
10 h 08 min
